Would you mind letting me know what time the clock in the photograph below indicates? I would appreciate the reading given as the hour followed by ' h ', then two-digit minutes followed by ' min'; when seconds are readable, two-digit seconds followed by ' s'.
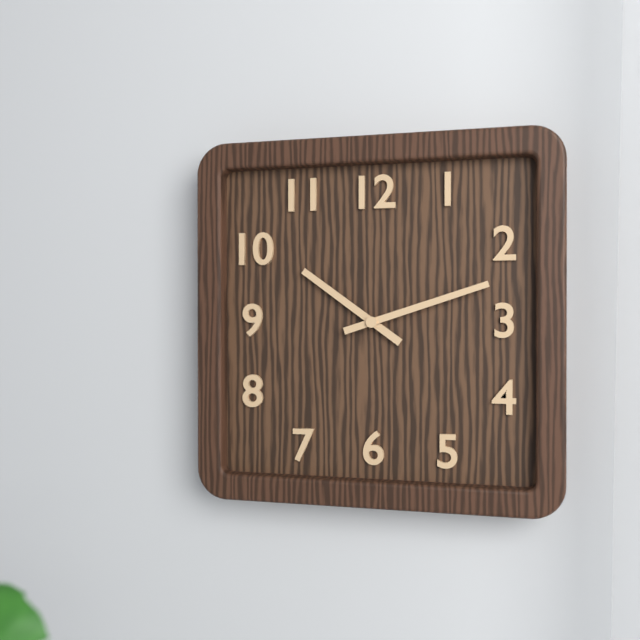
10 h 12 min
